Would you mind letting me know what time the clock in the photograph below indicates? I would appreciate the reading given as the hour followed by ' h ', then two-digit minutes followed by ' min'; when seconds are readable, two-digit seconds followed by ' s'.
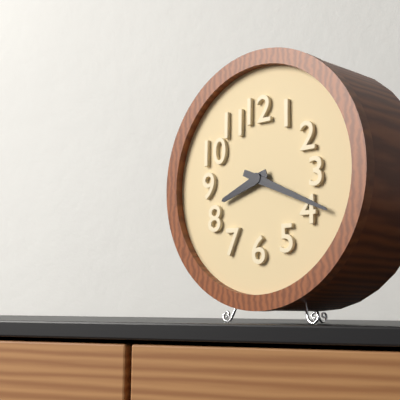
8 h 19 min
